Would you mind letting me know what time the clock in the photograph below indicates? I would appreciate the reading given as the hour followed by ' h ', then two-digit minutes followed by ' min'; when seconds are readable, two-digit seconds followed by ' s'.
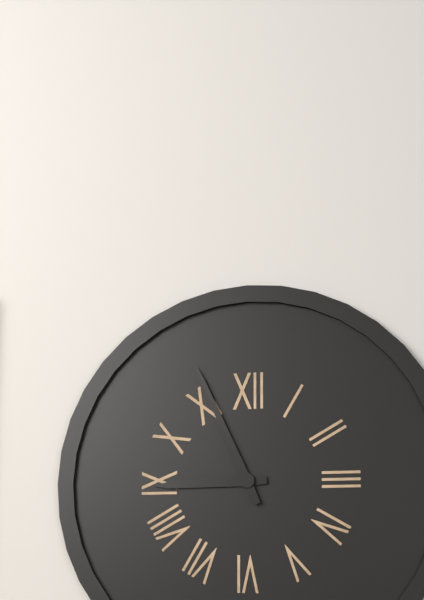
8 h 56 min
